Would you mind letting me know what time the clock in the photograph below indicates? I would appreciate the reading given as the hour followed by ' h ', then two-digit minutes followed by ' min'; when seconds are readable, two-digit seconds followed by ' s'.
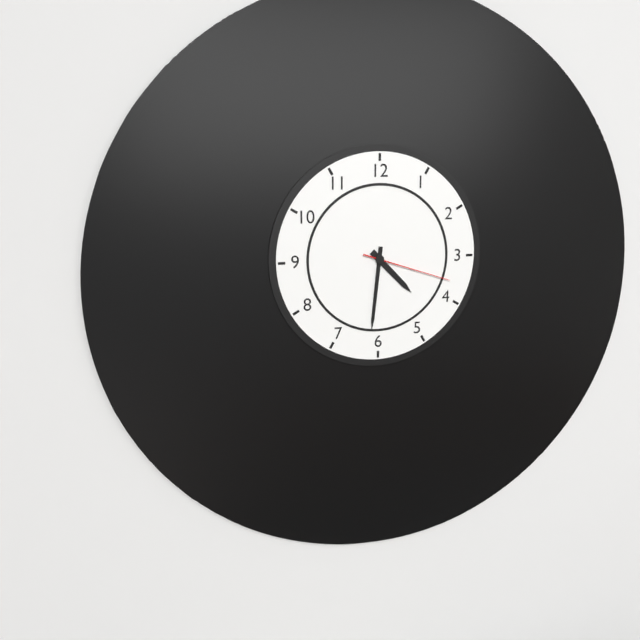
4 h 31 min 18 s
